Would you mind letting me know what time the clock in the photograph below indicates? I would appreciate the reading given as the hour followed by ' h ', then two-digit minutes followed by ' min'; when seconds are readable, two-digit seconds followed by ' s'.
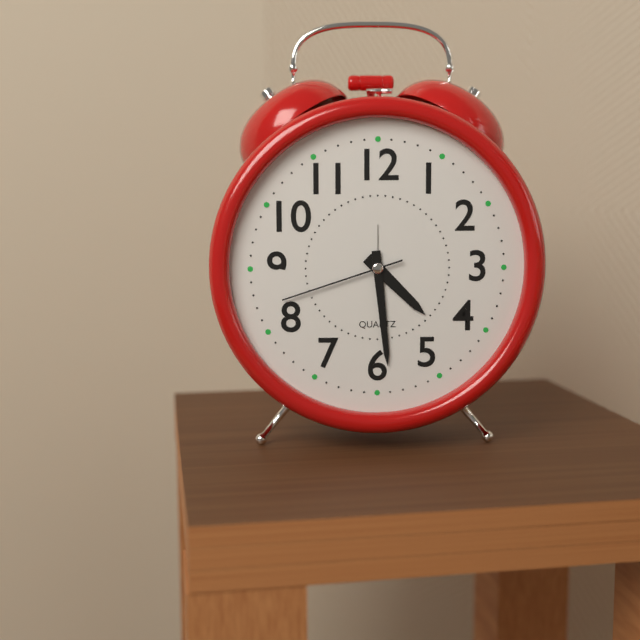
4 h 29 min 42 s
